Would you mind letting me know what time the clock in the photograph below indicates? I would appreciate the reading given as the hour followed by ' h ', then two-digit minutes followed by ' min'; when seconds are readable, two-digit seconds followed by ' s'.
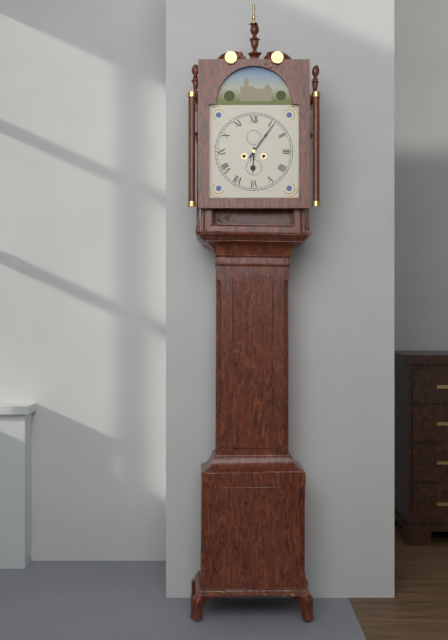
6 h 06 min
